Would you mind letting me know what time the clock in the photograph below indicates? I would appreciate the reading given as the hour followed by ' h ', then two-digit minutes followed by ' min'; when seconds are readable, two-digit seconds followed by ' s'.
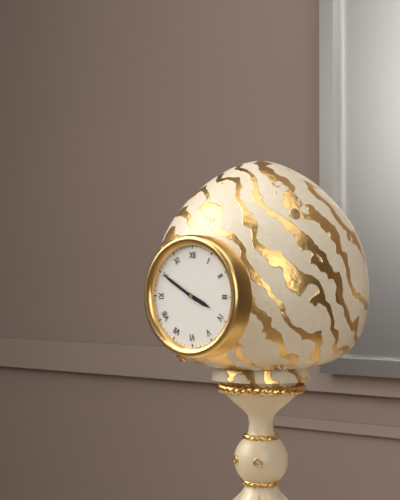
3 h 50 min
